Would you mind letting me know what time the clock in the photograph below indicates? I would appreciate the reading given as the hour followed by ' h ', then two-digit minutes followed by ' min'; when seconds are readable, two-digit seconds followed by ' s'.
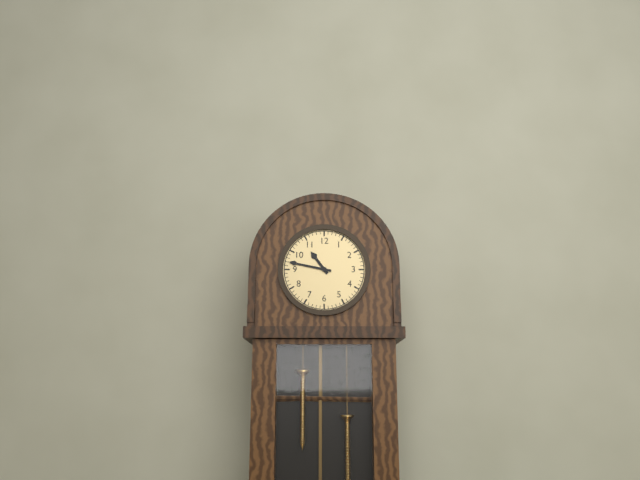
10 h 47 min
